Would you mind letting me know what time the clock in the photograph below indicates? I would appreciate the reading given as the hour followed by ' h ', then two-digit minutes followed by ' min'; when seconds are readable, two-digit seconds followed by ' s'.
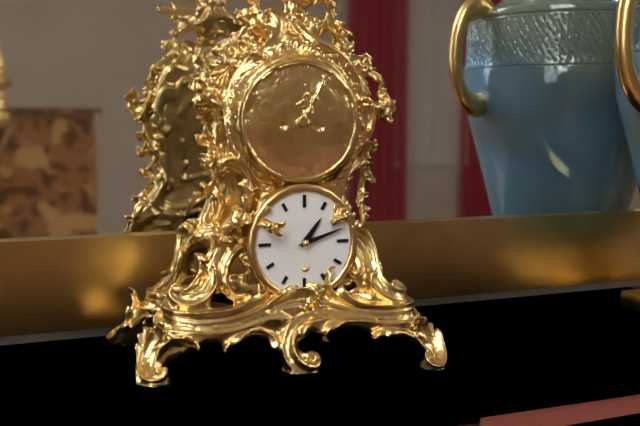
1 h 12 min
